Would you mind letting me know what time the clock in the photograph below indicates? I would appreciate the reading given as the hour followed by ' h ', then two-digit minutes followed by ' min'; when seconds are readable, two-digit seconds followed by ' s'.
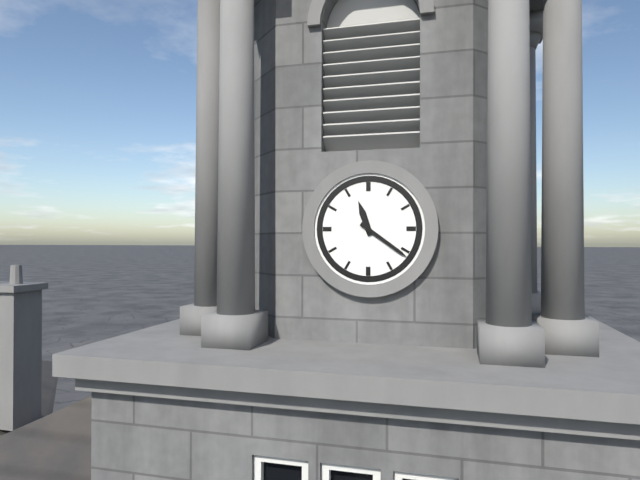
11 h 21 min
